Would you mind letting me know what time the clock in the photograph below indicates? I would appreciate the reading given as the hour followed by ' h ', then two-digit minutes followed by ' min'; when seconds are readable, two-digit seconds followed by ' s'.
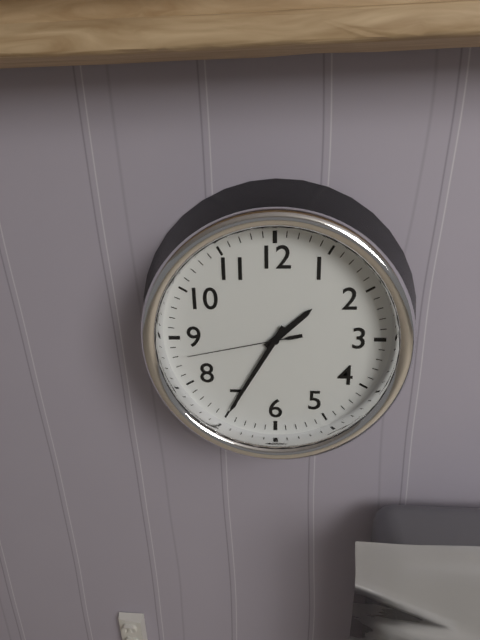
1 h 35 min 43 s
